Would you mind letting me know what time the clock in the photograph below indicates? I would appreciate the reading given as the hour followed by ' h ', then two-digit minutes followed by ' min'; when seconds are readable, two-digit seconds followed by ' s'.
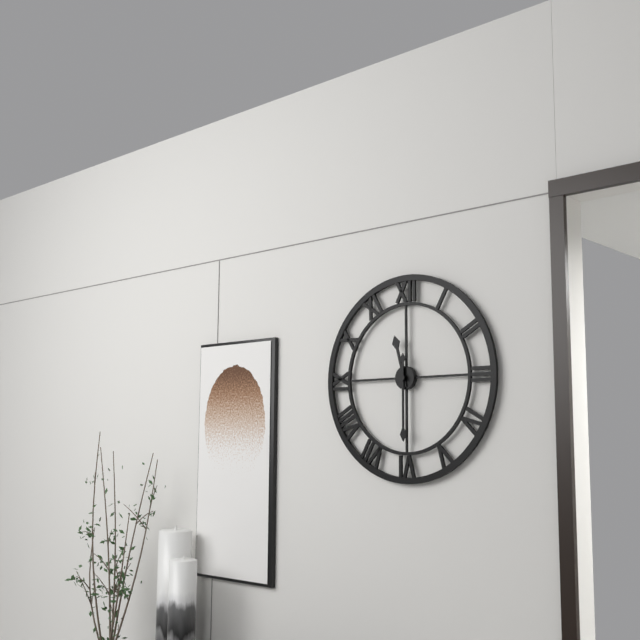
11 h 30 min
